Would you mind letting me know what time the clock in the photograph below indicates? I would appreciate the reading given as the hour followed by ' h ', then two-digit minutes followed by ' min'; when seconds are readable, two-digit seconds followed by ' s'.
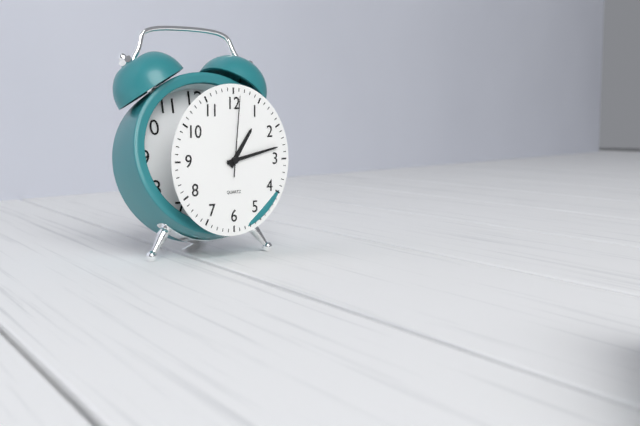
1 h 13 min 01 s
